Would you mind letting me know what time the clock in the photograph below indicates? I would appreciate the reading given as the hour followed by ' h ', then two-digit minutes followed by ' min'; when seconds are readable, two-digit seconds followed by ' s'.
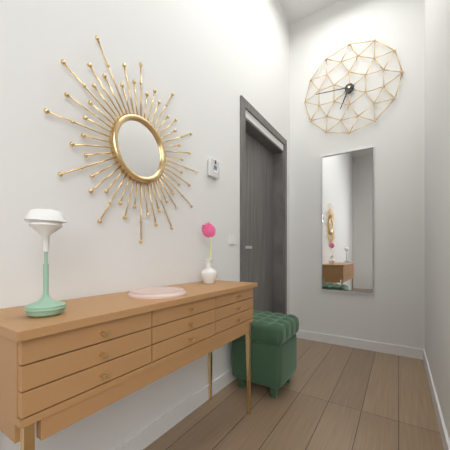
6 h 46 min
